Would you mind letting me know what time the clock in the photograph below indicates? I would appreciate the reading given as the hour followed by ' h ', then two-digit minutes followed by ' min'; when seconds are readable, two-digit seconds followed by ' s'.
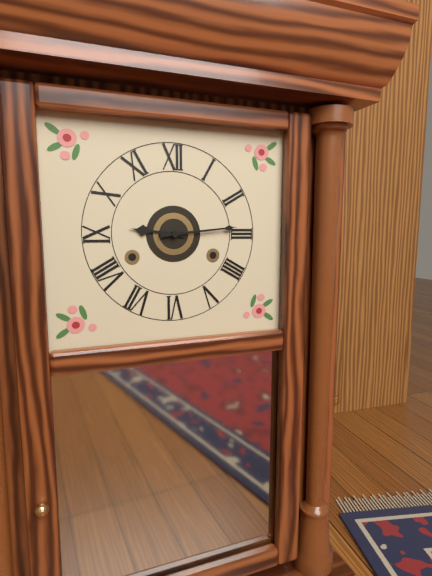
9 h 14 min
